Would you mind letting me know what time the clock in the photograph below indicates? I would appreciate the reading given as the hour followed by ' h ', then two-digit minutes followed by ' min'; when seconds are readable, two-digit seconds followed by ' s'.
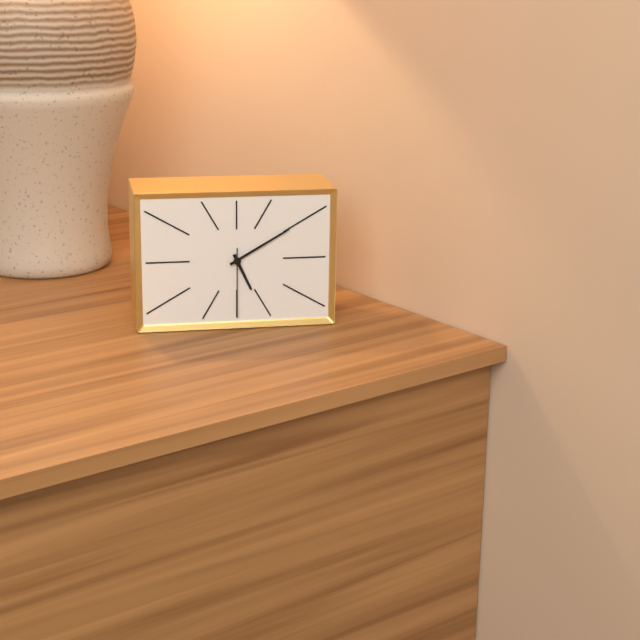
5 h 10 min 30 s
